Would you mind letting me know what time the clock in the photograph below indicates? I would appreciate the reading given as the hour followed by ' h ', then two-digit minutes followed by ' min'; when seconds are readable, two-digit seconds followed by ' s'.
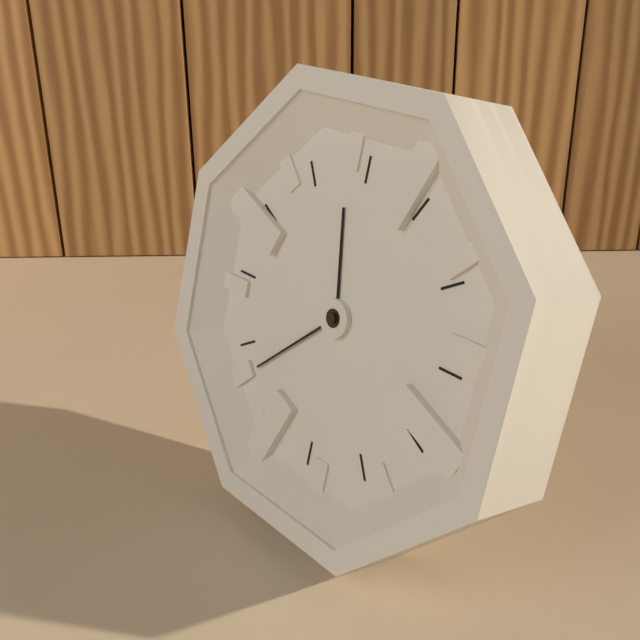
11 h 38 min
